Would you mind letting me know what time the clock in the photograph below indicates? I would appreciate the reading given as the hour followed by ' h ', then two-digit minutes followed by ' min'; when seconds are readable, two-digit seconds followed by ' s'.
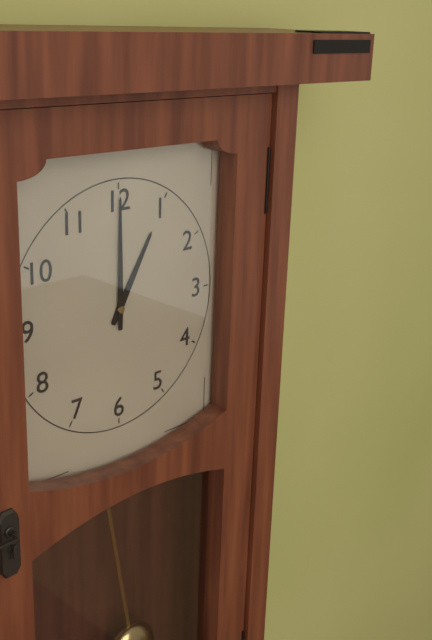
1 h 00 min
